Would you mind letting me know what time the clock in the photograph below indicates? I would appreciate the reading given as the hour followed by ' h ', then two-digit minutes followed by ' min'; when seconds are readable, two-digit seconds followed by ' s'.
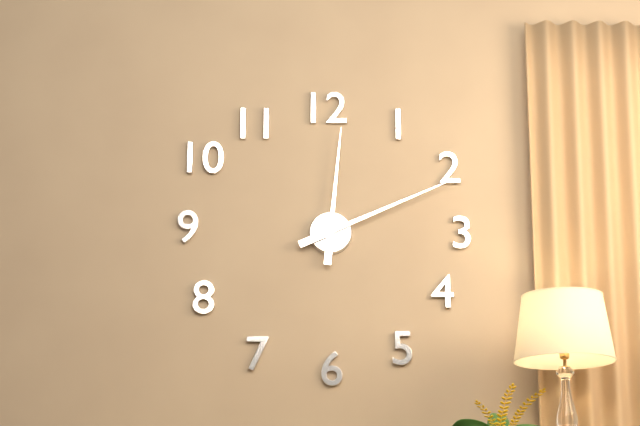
12 h 11 min
